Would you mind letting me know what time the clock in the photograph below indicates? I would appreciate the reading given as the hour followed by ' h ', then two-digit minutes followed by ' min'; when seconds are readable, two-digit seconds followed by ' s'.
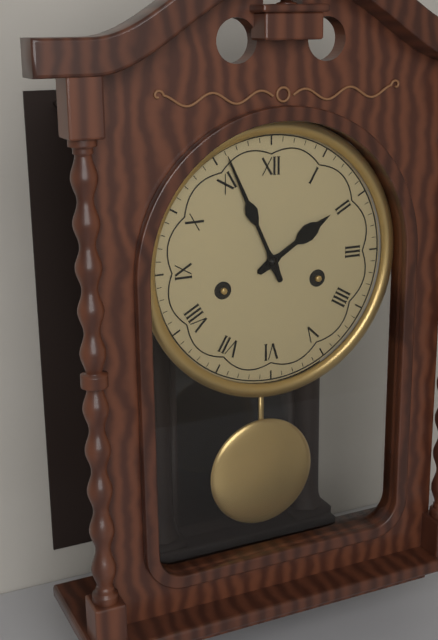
1 h 56 min
